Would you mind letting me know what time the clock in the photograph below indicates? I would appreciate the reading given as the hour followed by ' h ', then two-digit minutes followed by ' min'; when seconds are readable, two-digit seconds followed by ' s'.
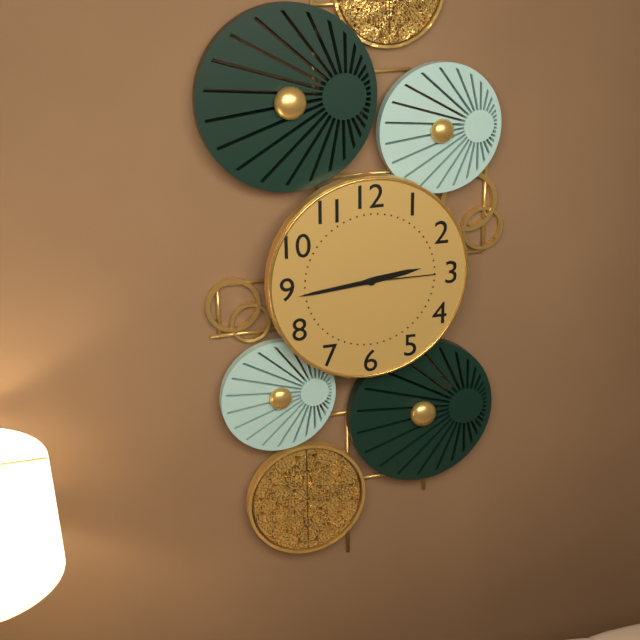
2 h 44 min 15 s
